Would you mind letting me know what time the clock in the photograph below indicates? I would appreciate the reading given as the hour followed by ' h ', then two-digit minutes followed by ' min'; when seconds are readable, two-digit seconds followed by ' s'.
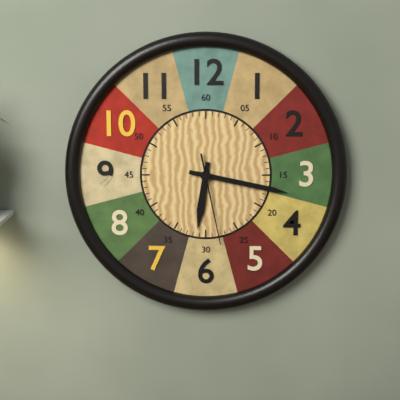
6 h 17 min 28 s
